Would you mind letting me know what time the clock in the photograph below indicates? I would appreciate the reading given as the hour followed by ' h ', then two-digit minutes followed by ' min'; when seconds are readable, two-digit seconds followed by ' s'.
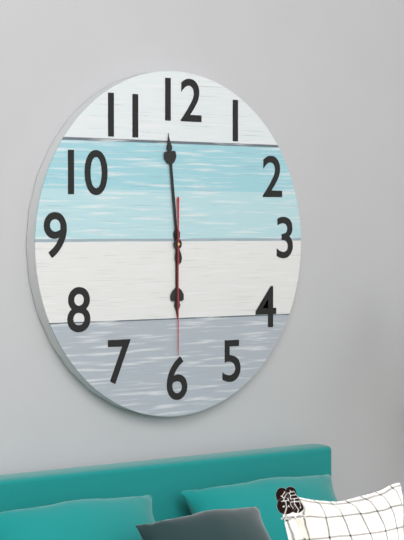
5 h 59 min 30 s
